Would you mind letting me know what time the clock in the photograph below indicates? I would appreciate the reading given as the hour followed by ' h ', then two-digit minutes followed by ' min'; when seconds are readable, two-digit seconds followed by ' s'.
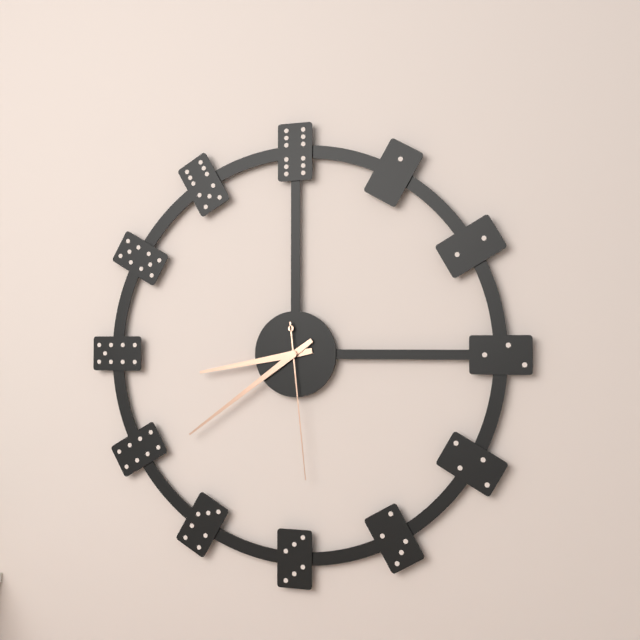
8 h 39 min 29 s
